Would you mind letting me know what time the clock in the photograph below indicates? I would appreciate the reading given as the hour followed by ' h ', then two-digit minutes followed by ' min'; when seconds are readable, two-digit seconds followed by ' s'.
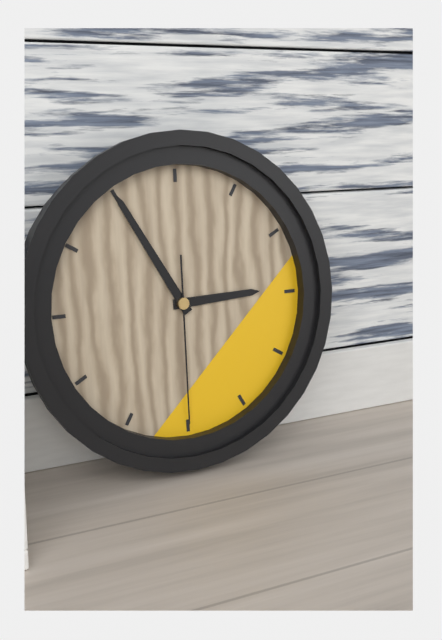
2 h 55 min 30 s
